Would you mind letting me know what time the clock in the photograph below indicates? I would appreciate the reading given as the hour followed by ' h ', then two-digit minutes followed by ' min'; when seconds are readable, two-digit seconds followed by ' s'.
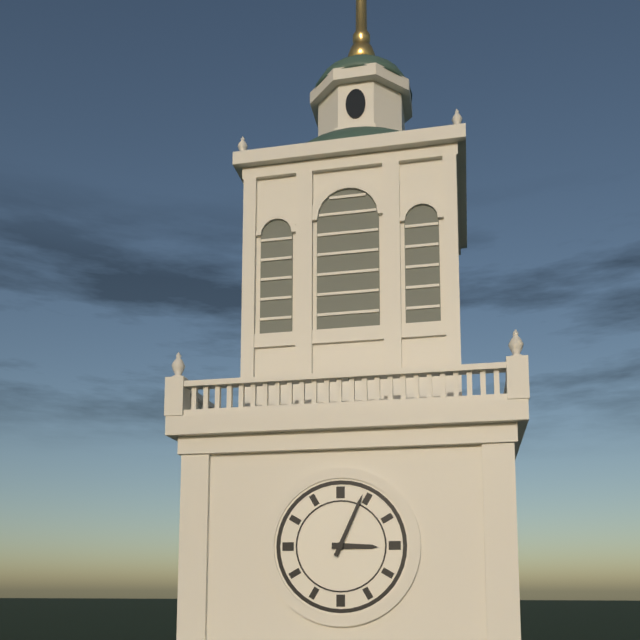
3 h 04 min
